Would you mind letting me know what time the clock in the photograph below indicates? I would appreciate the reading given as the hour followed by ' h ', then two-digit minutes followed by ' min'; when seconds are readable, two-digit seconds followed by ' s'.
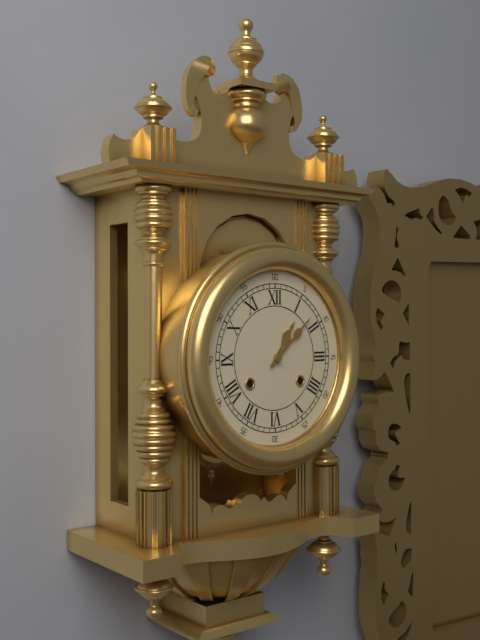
1 h 08 min
